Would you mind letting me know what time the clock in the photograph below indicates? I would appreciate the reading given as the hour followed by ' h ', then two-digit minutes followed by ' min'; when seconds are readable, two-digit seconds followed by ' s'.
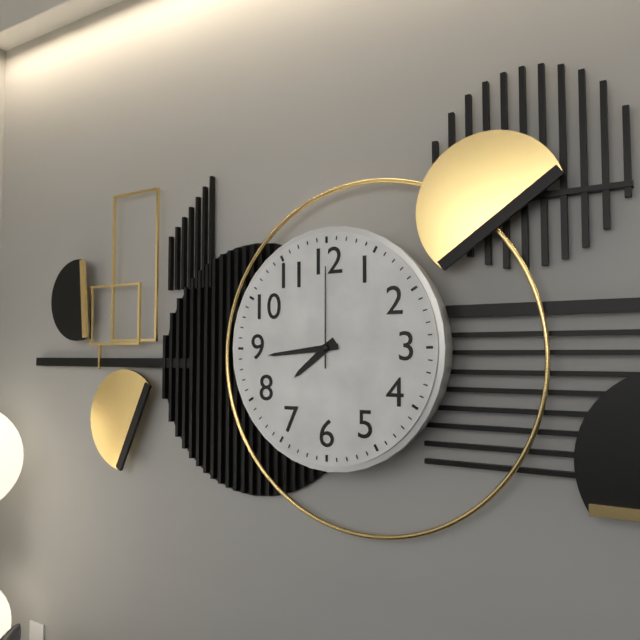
7 h 44 min 00 s
